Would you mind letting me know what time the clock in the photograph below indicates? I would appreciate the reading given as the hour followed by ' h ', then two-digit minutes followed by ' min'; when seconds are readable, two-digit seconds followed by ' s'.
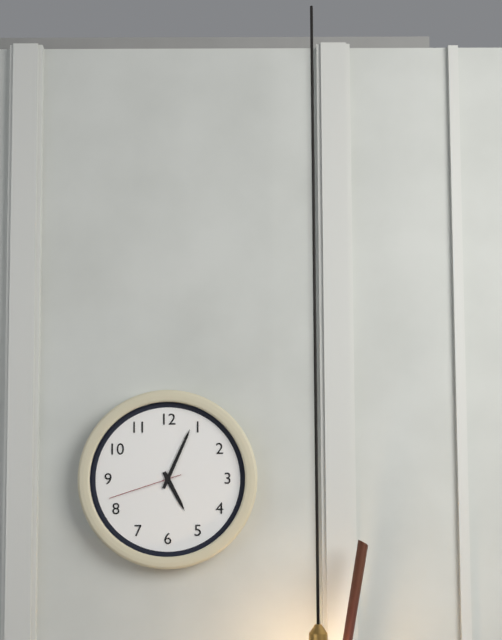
5 h 04 min 42 s
